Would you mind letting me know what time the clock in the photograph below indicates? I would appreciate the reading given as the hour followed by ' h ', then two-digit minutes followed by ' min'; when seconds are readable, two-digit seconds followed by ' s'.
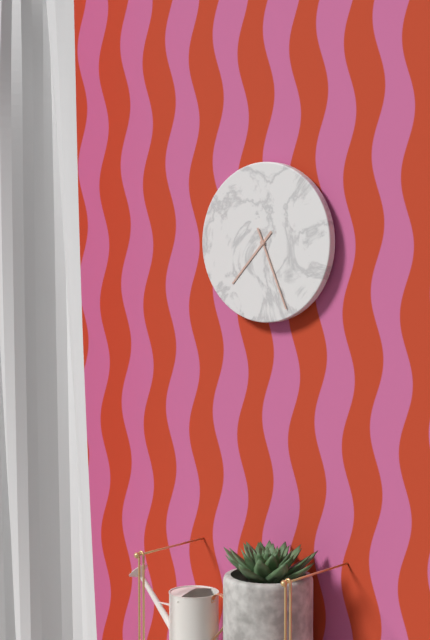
7 h 26 min
